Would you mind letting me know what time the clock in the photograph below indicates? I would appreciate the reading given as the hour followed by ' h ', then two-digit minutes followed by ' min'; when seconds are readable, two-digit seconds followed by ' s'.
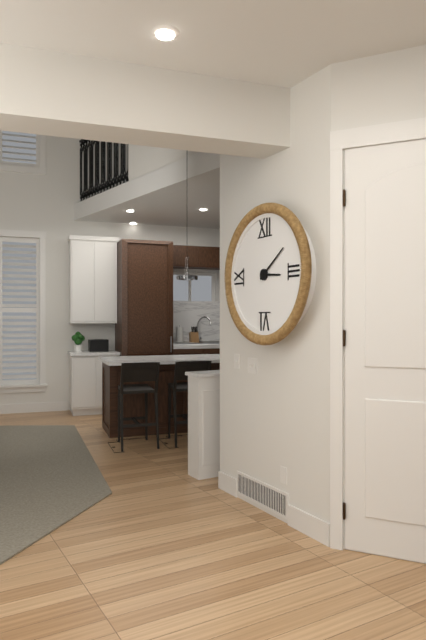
3 h 09 min
